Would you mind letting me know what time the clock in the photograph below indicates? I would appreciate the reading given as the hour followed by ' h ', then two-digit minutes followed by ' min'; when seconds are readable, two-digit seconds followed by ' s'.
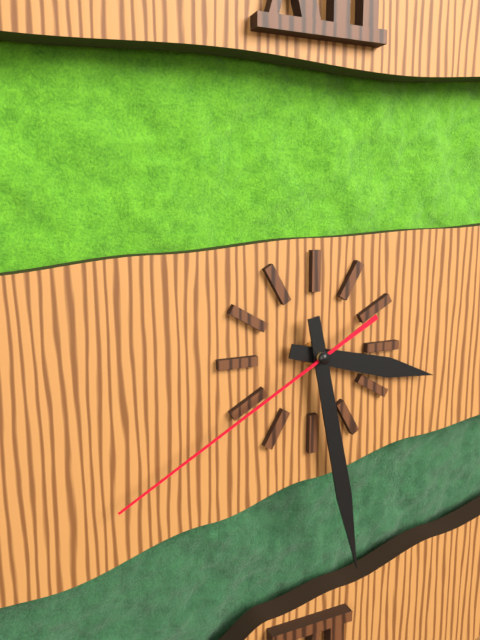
3 h 28 min 40 s
